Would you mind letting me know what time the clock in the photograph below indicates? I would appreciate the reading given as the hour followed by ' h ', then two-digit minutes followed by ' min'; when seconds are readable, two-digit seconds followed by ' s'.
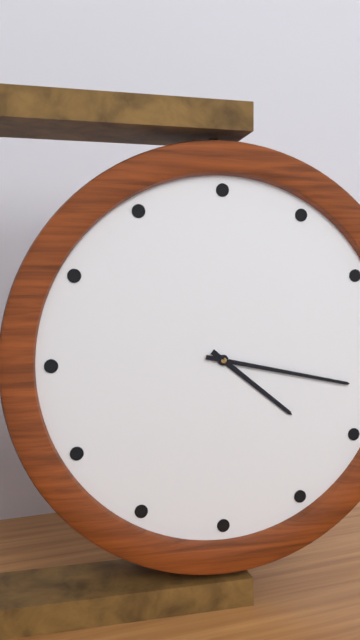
4 h 17 min
